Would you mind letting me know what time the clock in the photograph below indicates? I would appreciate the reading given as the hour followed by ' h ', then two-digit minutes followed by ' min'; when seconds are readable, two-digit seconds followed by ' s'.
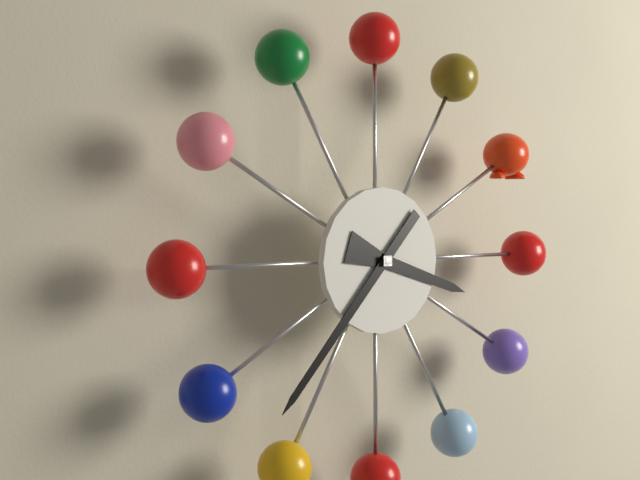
3 h 37 min
